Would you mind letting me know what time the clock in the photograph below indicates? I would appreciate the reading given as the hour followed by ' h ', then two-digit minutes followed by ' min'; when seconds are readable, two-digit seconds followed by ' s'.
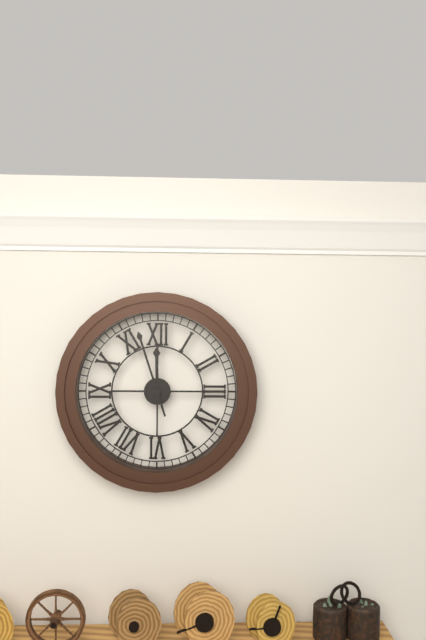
11 h 57 min
